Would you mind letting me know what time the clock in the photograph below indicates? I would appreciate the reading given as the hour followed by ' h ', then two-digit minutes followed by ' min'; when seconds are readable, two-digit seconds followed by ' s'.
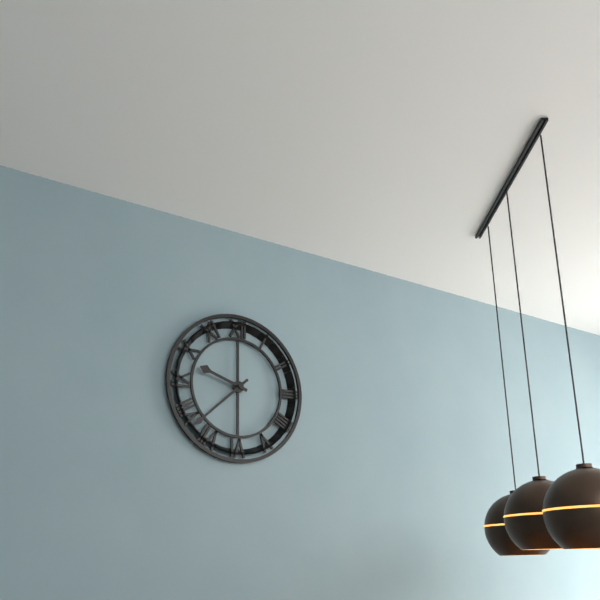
9 h 38 min
